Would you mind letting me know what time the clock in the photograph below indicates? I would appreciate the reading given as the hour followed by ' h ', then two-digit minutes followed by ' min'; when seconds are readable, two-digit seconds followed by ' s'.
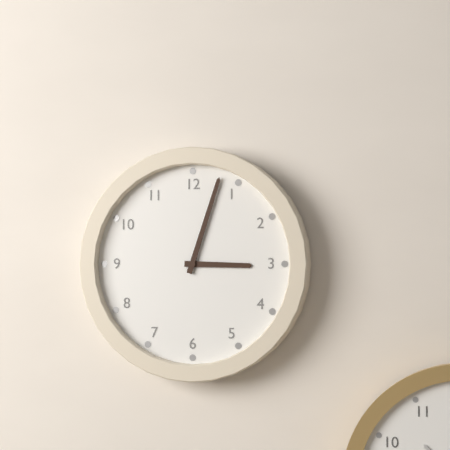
3 h 03 min
